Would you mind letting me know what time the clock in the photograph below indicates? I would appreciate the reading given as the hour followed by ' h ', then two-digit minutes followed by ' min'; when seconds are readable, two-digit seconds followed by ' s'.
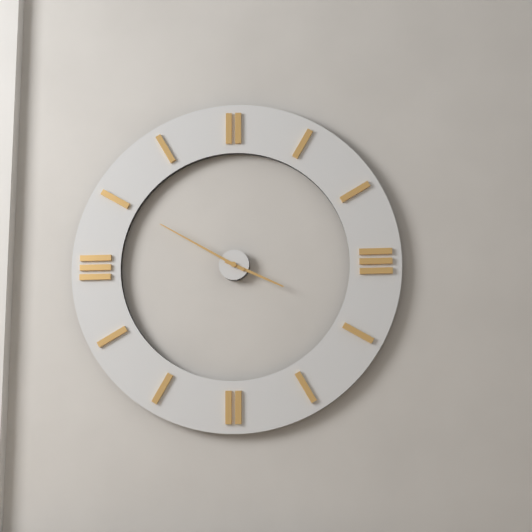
3 h 50 min
